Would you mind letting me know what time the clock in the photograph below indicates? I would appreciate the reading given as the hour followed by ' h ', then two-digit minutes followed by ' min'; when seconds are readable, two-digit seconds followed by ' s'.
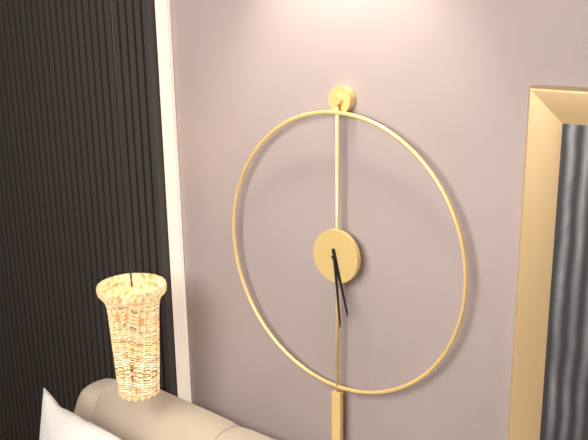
5 h 29 min
